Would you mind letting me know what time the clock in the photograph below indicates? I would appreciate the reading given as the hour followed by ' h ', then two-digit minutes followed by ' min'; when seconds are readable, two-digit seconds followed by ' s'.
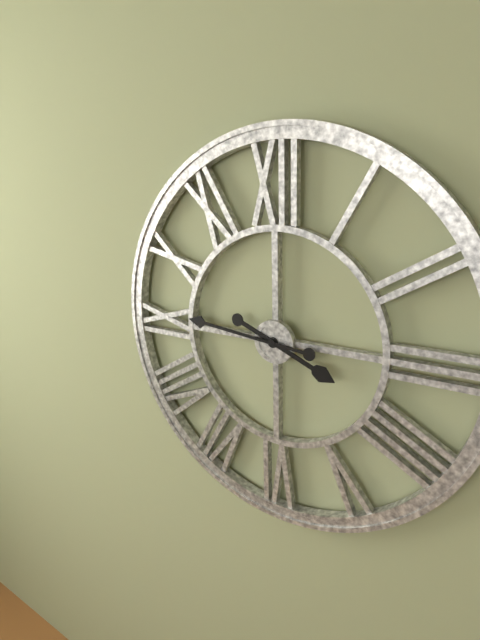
3 h 46 min
